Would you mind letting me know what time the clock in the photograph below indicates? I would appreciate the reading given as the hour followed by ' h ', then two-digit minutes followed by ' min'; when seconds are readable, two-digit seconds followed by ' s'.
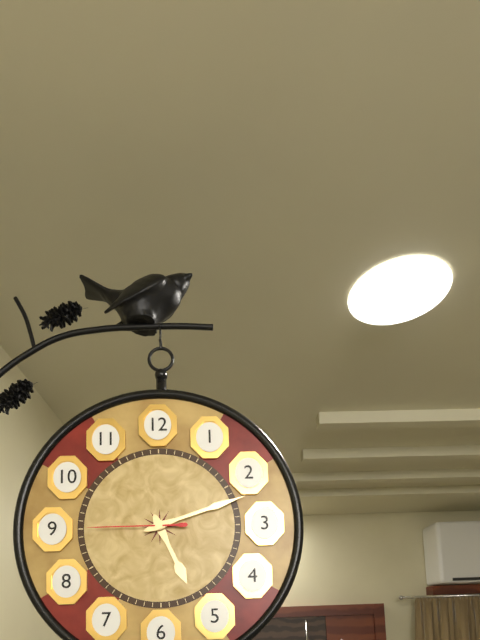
5 h 12 min 45 s
